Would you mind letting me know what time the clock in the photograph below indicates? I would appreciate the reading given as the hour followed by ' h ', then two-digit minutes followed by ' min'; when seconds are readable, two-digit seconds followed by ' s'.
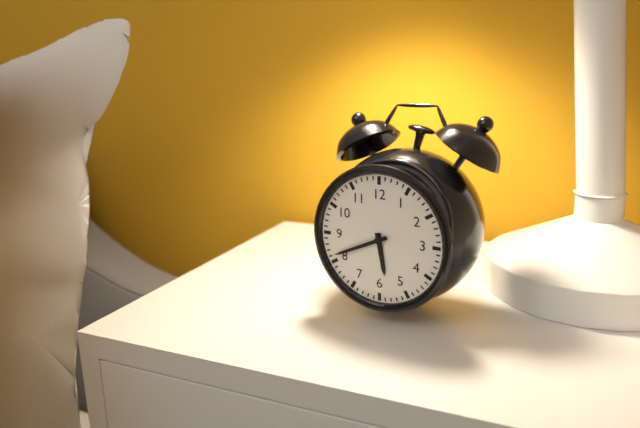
5 h 41 min
